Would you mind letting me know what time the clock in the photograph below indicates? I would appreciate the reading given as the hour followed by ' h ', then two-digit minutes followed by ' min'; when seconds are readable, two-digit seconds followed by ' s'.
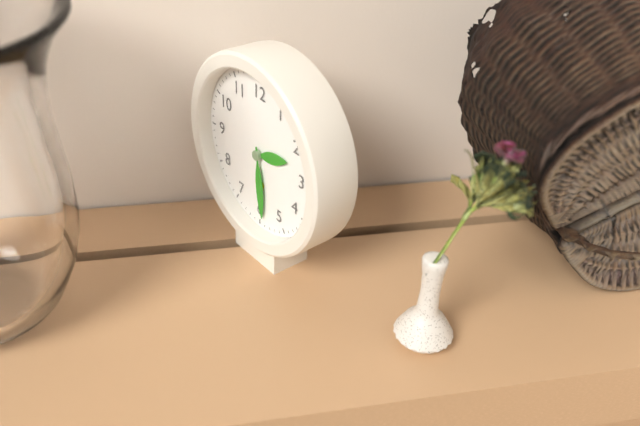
2 h 29 min
